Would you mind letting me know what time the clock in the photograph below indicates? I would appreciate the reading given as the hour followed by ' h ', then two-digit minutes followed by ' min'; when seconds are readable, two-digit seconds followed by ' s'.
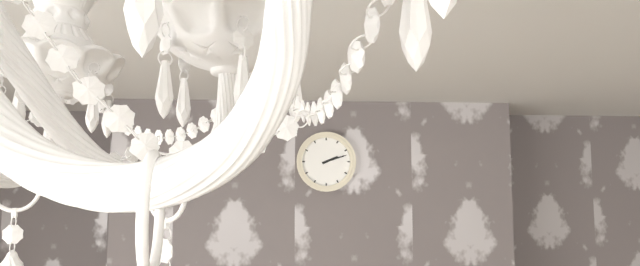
2 h 12 min
